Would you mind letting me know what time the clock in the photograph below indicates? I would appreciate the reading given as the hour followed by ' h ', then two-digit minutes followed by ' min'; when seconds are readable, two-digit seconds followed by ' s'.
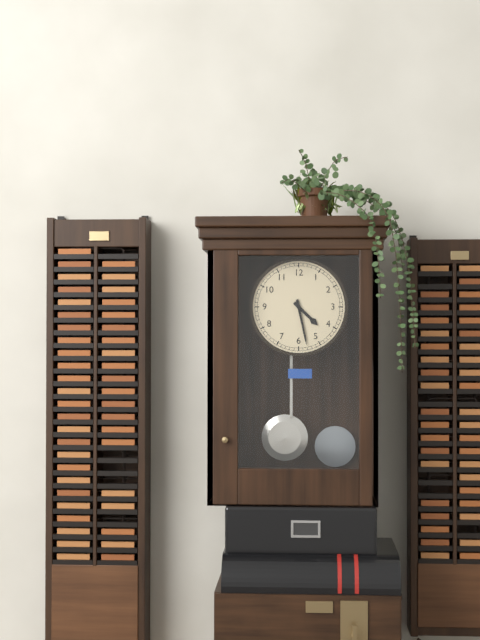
4 h 28 min
